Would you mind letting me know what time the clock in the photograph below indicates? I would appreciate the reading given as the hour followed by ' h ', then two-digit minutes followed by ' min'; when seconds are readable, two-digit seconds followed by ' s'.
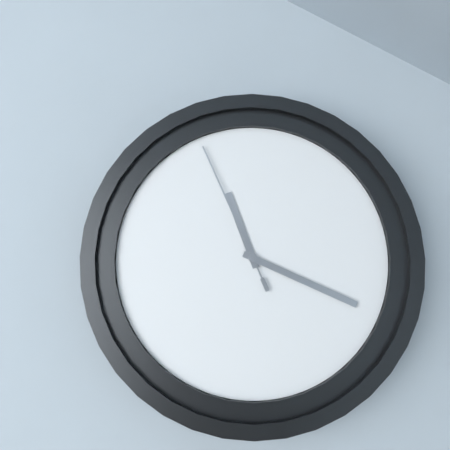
11 h 19 min 56 s
